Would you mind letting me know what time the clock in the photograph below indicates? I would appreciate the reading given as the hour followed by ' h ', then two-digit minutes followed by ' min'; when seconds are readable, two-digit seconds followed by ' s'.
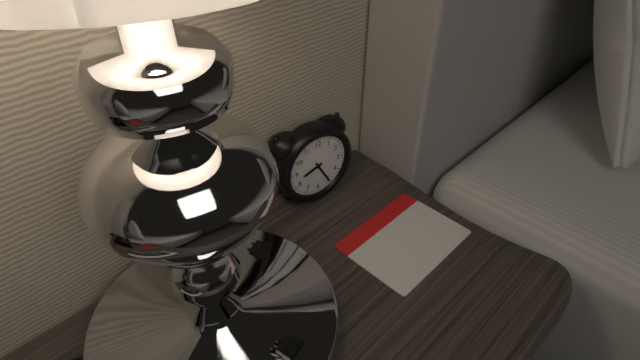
8 h 25 min
